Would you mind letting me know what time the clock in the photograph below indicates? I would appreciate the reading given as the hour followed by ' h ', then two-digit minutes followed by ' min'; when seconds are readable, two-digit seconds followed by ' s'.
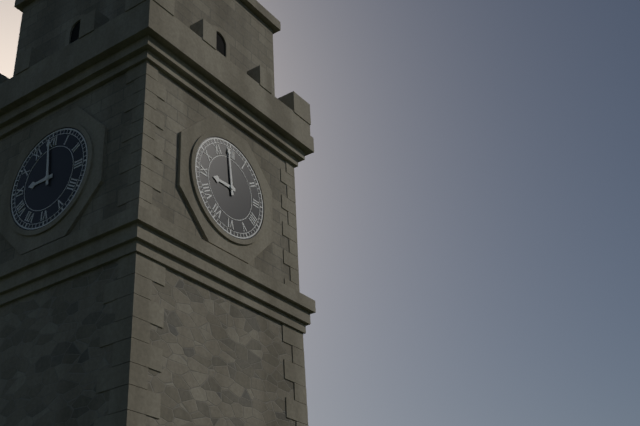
8 h 59 min
